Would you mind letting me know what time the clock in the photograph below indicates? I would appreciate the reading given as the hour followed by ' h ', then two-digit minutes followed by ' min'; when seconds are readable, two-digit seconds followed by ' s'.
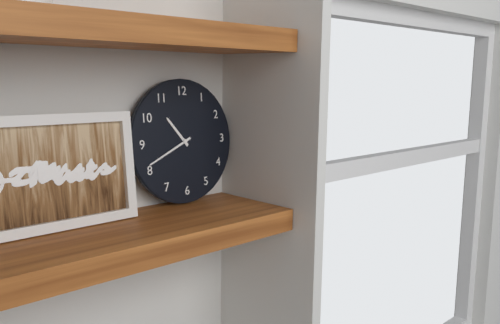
10 h 41 min
